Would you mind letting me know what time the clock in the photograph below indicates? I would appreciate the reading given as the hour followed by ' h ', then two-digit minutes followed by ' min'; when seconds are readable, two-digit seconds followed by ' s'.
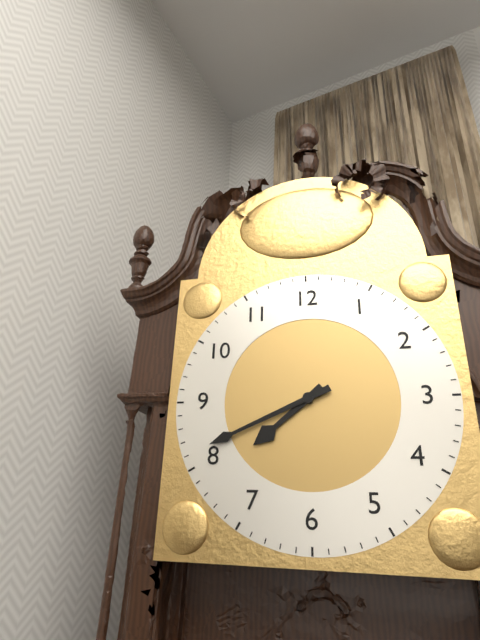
7 h 41 min
